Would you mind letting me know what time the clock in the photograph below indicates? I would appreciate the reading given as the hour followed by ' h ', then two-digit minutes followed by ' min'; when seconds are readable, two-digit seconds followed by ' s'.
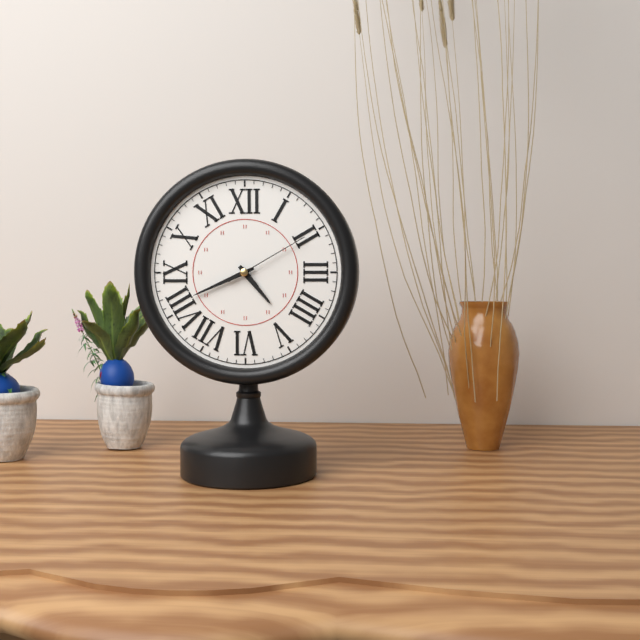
4 h 41 min 10 s
